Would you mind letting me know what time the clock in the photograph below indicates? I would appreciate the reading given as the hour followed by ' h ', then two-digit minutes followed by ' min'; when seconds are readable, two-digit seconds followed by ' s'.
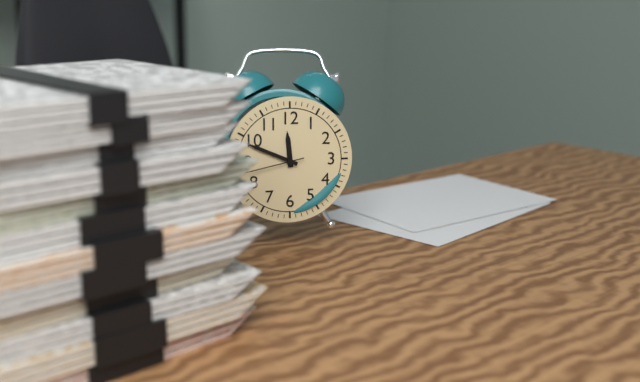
11 h 49 min 43 s
